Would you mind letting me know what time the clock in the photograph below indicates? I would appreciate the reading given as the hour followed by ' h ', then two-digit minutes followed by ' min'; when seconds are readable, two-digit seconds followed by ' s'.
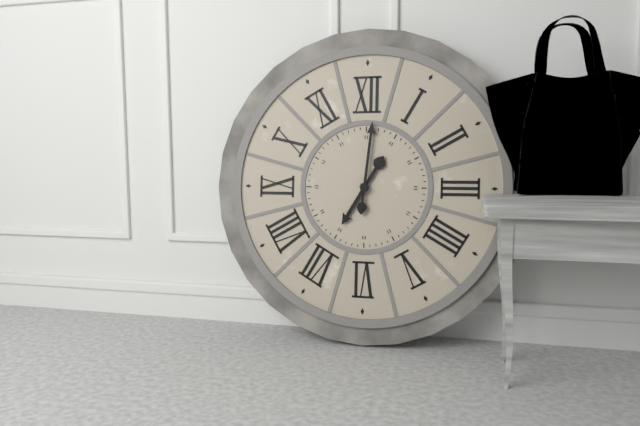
7 h 01 min
